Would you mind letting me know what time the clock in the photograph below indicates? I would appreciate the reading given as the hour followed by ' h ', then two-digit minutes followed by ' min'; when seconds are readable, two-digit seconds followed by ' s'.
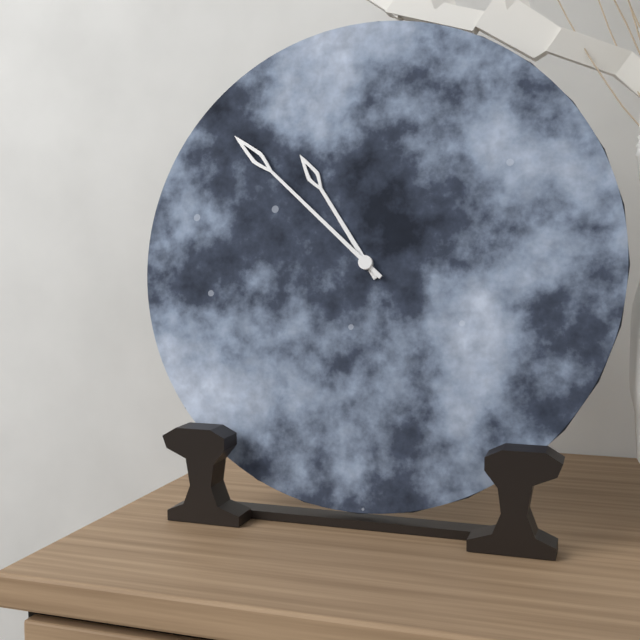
10 h 52 min
